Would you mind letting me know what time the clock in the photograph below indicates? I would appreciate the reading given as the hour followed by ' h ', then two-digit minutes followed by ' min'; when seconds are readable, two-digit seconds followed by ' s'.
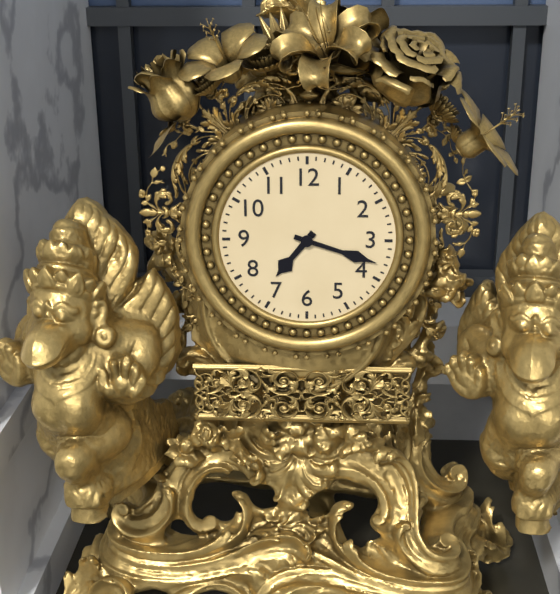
7 h 18 min
